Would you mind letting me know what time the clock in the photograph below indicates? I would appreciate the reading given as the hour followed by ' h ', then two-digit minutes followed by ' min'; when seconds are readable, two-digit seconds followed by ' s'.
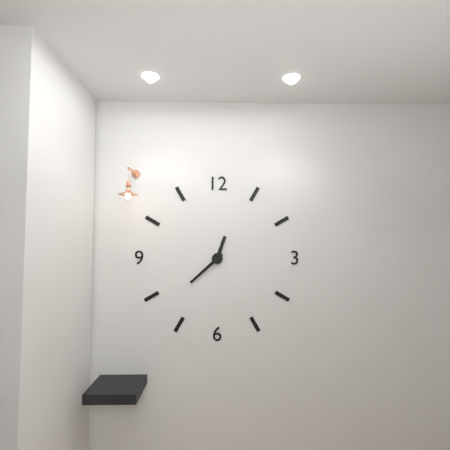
12 h 38 min
